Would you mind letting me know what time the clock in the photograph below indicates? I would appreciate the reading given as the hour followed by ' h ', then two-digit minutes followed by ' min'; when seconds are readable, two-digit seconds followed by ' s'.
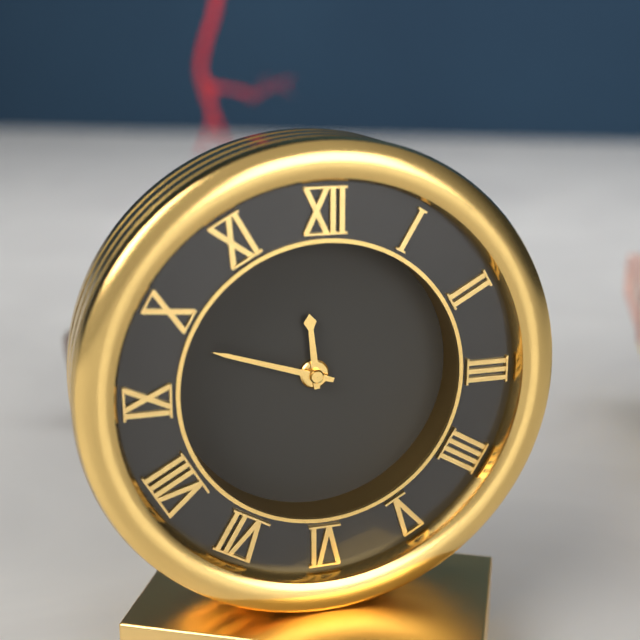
11 h 48 min
